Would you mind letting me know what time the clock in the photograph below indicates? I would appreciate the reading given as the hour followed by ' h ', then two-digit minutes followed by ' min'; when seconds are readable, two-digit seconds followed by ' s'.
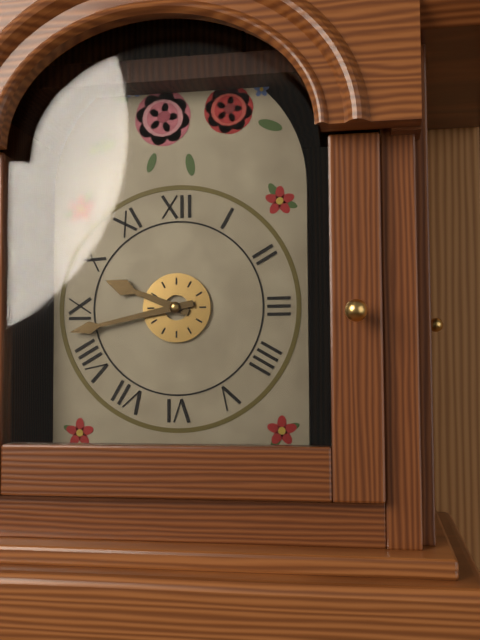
9 h 43 min
